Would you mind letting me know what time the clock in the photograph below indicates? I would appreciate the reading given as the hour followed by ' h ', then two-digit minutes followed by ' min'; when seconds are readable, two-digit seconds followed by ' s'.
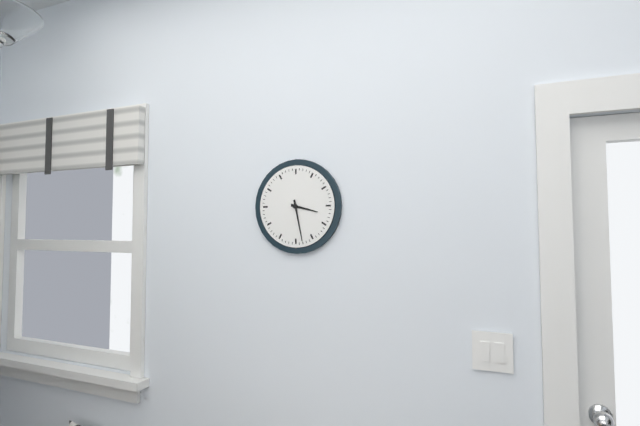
3 h 28 min
